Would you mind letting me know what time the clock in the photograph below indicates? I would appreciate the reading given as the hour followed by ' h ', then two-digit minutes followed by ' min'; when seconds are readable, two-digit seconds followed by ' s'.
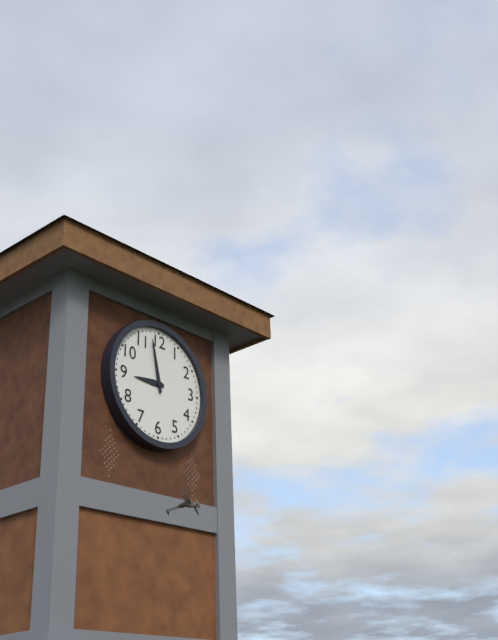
8 h 58 min
